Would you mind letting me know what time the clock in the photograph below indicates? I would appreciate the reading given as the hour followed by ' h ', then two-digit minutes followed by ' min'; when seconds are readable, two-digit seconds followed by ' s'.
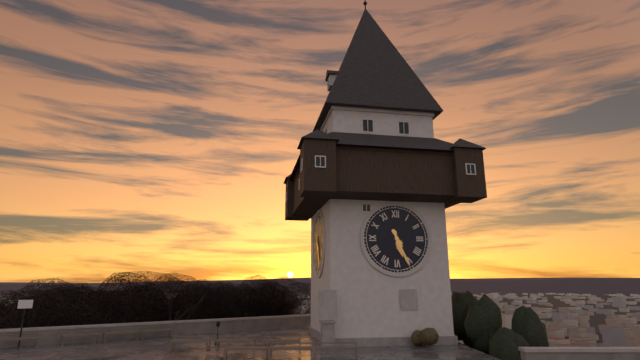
5 h 26 min
